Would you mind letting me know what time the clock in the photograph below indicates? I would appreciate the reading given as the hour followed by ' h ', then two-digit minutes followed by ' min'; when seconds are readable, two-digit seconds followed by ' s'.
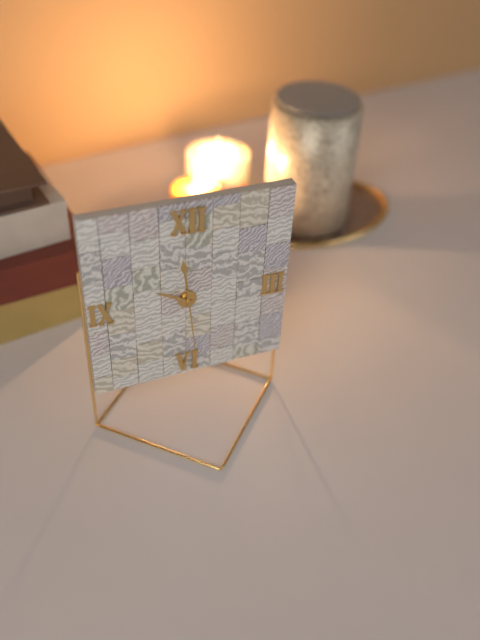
9 h 59 min 29 s
